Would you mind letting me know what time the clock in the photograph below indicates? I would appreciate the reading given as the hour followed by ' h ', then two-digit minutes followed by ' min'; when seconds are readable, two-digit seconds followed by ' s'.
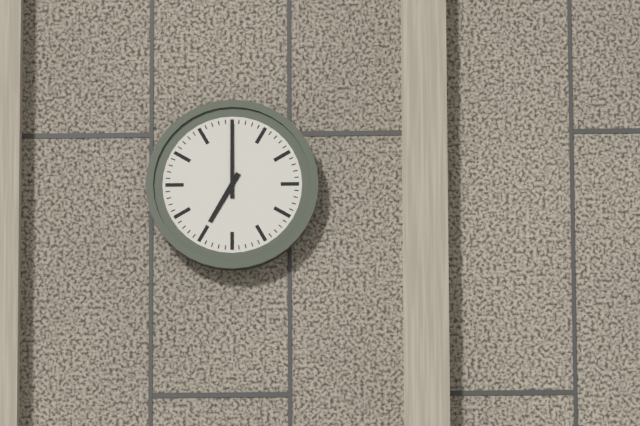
7 h 00 min
